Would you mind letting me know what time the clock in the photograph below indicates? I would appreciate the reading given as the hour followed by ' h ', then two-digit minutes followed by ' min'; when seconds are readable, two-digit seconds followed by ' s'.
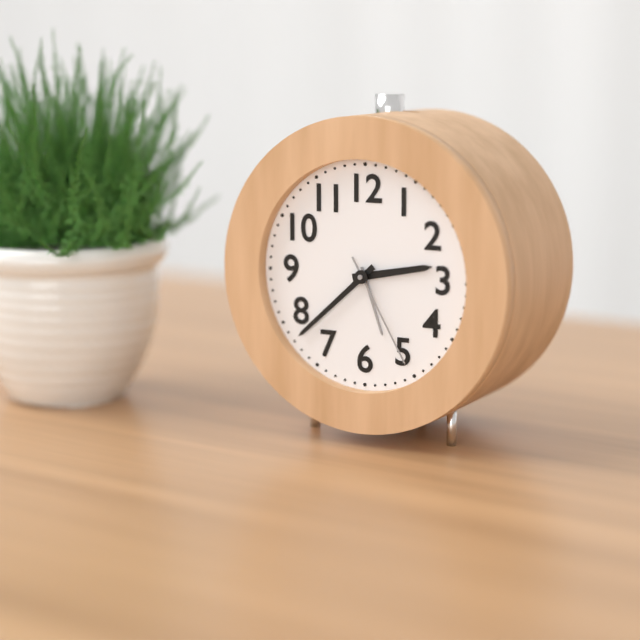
2 h 38 min 25 s
